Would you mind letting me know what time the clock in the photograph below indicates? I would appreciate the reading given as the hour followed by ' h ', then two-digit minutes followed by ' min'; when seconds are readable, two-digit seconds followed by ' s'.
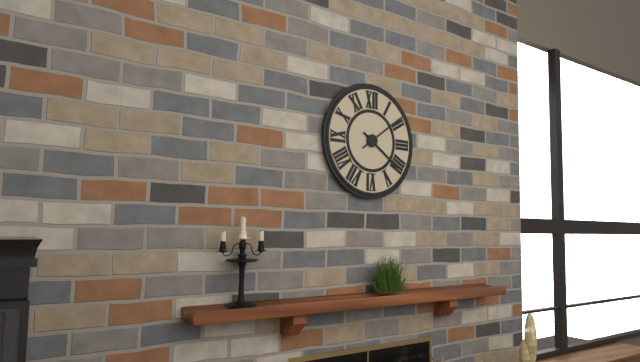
4 h 09 min
